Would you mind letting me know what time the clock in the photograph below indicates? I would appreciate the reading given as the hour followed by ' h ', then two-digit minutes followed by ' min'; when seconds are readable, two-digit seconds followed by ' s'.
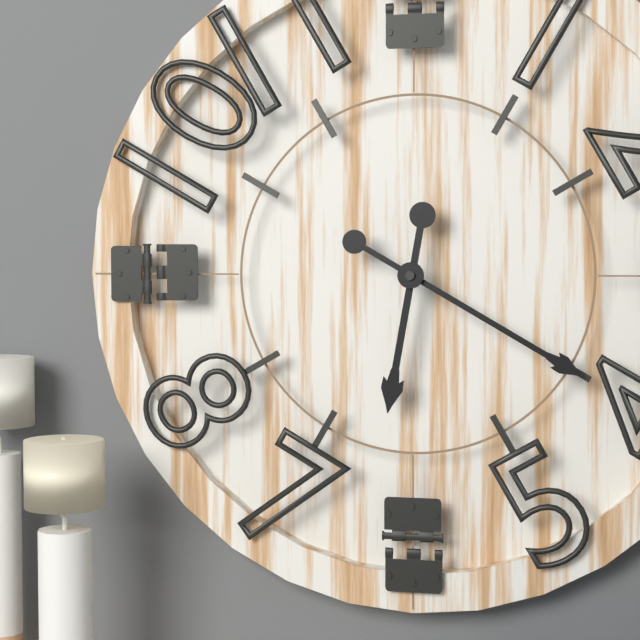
6 h 20 min
